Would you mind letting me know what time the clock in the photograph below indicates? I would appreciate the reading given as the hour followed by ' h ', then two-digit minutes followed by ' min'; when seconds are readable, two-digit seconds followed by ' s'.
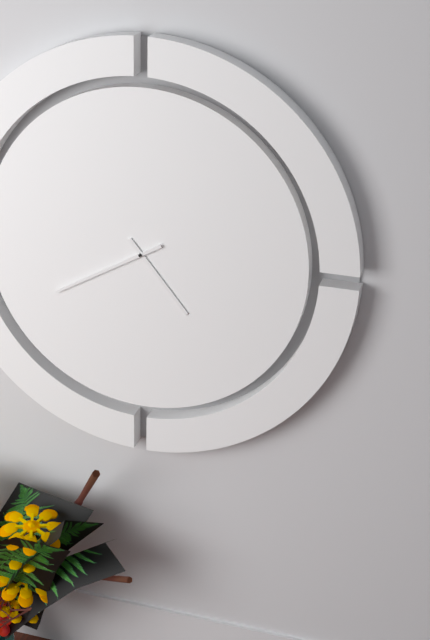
4 h 40 min
